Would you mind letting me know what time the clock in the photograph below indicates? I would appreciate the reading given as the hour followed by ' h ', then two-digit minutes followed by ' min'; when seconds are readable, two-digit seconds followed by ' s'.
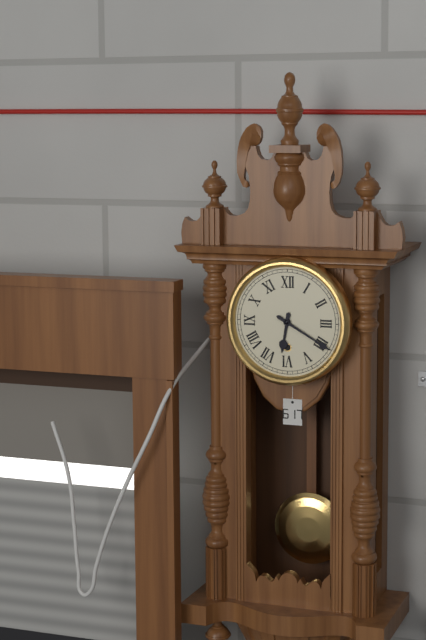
6 h 20 min
